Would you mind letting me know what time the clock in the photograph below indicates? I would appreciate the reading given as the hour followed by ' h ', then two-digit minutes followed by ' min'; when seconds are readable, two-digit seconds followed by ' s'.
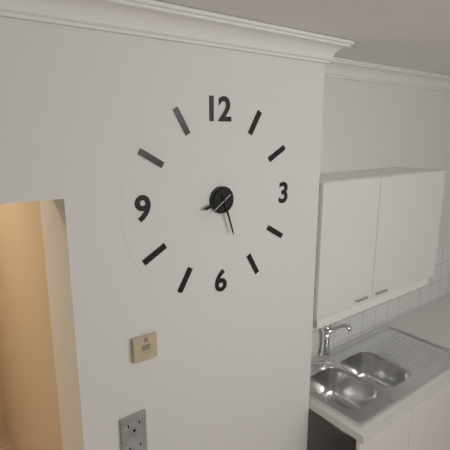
8 h 27 min
